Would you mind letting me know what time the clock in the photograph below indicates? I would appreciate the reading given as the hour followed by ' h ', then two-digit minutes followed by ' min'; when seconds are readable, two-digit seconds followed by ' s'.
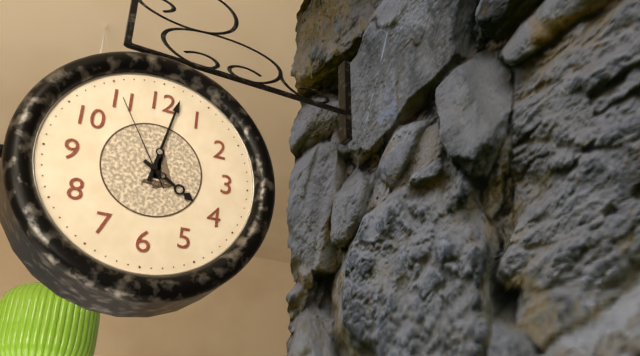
4 h 02 min 55 s
